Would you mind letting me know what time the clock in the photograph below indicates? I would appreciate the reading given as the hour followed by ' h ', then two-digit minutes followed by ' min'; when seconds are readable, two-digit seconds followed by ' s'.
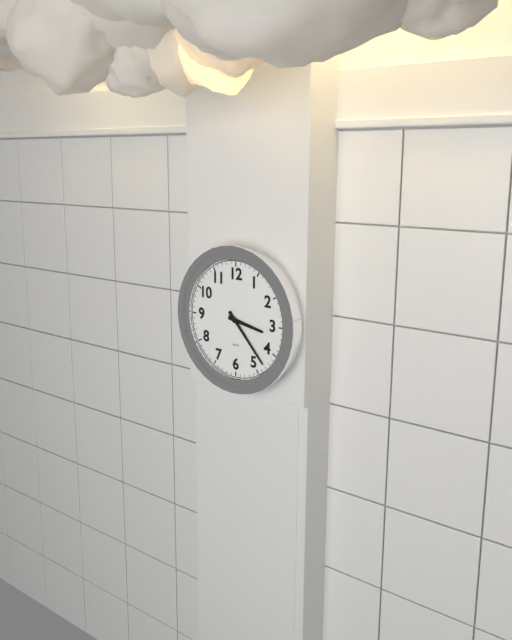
3 h 23 min
